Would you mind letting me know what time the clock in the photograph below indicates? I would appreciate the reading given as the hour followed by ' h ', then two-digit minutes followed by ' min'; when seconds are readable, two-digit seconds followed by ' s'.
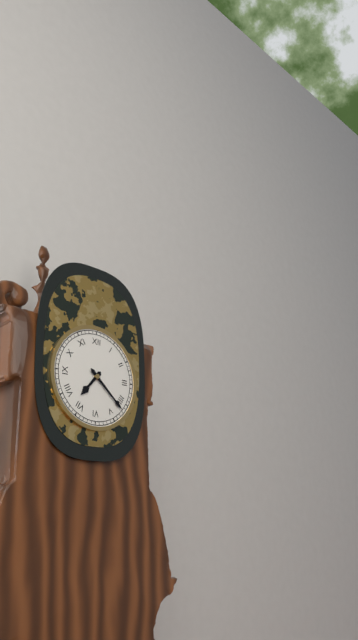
7 h 22 min
